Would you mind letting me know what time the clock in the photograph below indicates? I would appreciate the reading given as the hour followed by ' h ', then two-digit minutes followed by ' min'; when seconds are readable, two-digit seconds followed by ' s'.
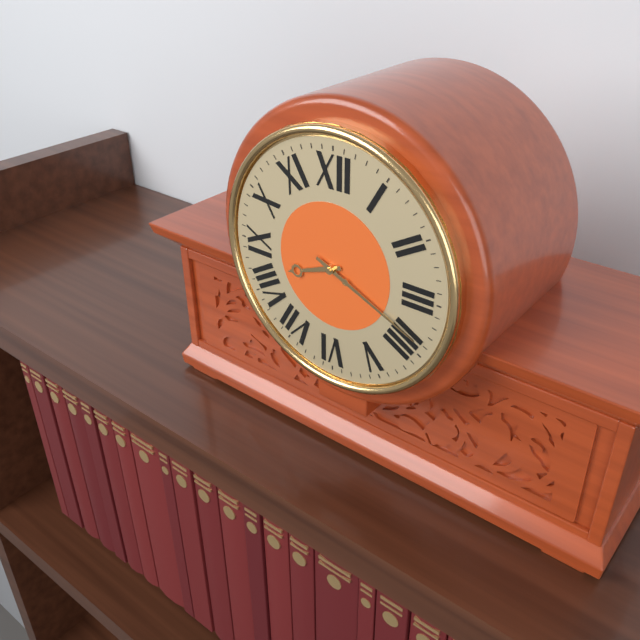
8 h 19 min
